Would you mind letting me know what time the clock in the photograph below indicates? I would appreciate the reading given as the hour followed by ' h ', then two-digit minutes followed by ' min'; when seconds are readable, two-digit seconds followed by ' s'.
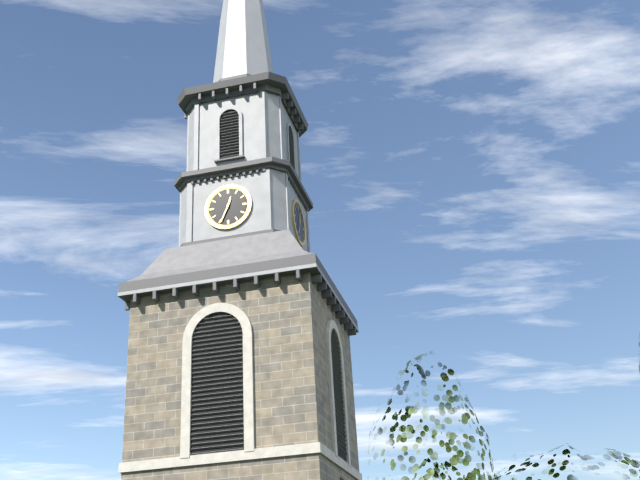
12 h 34 min
